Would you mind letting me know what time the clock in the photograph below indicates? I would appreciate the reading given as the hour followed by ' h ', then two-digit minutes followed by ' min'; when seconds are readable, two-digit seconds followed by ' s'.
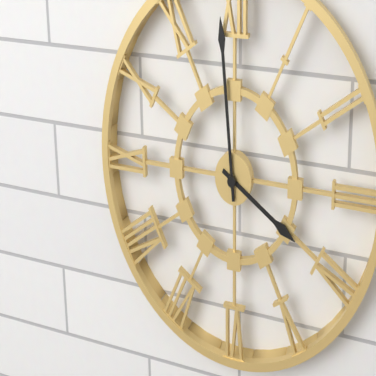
3 h 59 min
